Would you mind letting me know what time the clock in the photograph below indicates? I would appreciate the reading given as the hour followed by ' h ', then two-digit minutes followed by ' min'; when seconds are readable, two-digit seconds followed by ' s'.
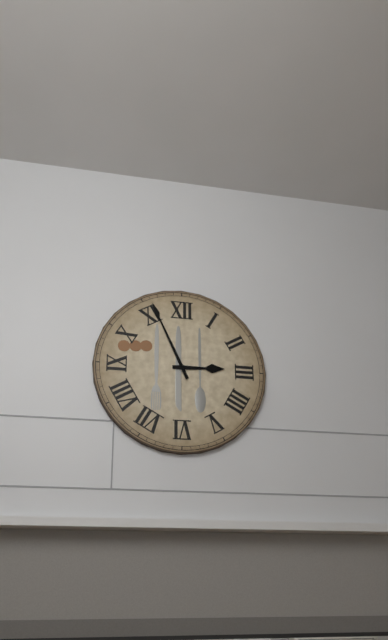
2 h 56 min
